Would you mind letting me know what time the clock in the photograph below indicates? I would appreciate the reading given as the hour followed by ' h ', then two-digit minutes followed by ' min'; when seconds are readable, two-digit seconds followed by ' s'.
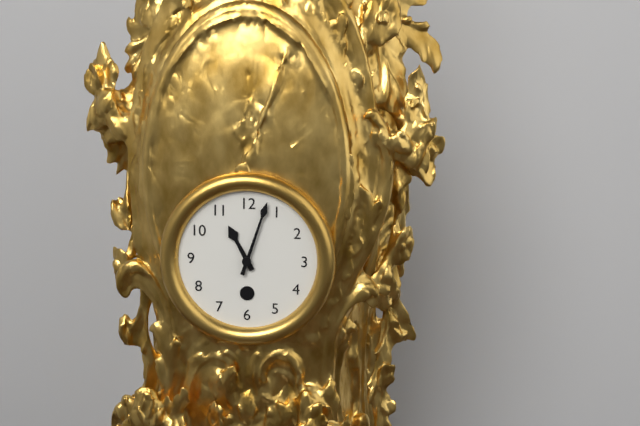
11 h 03 min
